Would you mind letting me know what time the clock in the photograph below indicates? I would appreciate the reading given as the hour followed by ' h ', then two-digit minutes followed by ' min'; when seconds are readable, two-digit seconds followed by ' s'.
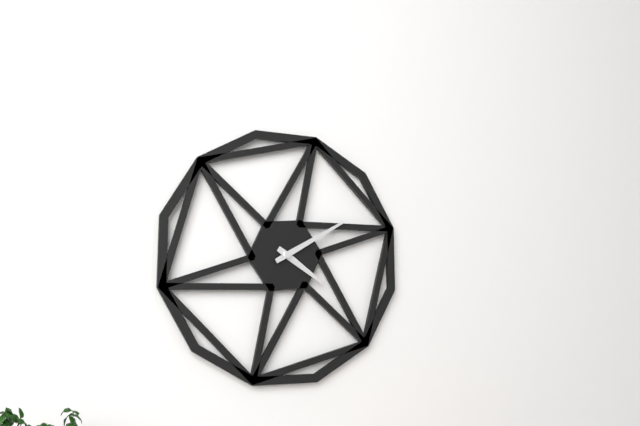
4 h 10 min
